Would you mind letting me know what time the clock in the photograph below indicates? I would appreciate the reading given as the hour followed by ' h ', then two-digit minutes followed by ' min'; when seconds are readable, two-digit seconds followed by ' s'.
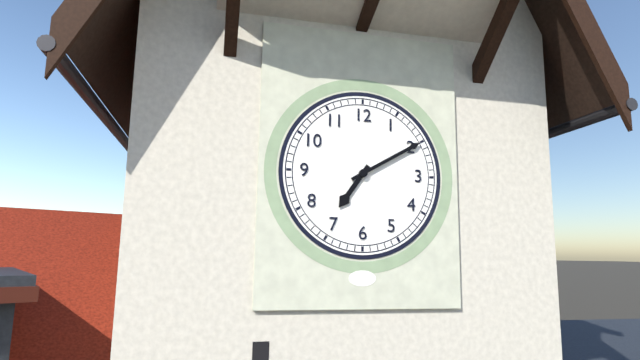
7 h 10 min
